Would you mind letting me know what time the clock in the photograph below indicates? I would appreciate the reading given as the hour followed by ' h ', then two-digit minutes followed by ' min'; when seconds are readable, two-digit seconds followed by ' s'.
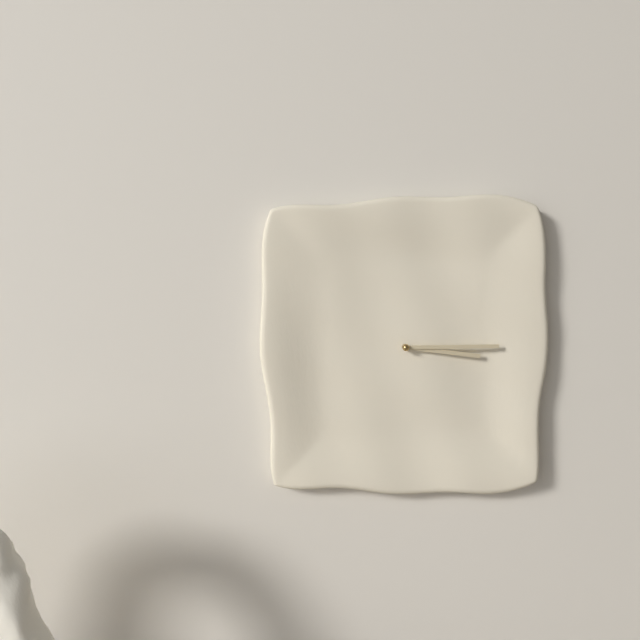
3 h 15 min
